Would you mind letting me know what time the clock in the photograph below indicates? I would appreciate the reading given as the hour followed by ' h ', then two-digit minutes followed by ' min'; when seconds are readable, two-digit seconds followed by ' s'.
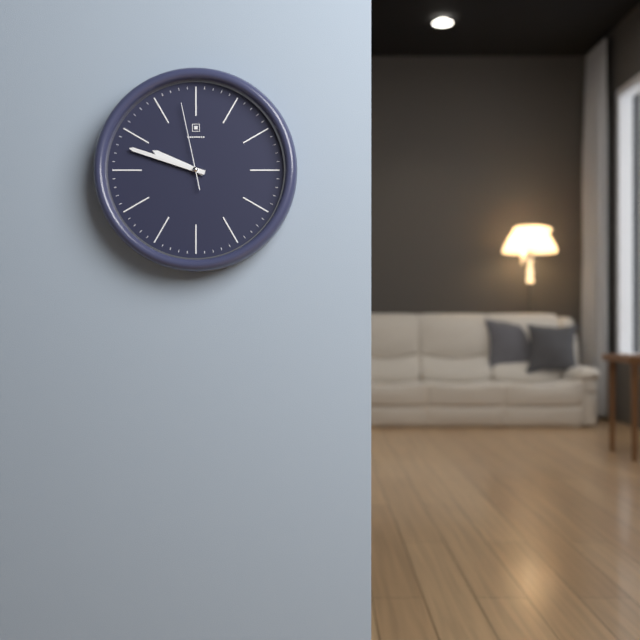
9 h 48 min 58 s
